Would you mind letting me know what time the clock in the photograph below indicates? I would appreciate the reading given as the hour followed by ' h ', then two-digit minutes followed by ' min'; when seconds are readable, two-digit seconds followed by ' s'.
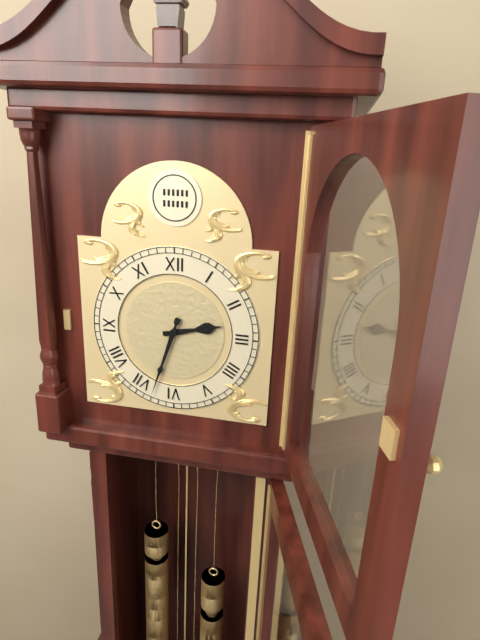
2 h 33 min
